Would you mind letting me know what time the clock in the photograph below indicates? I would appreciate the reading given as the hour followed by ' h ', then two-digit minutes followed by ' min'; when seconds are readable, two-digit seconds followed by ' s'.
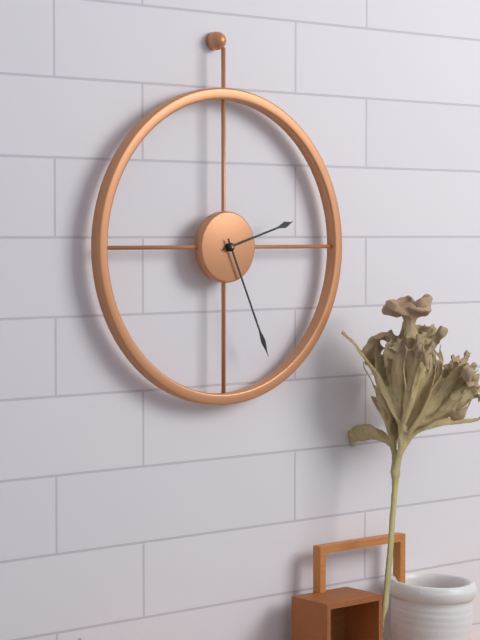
2 h 26 min
